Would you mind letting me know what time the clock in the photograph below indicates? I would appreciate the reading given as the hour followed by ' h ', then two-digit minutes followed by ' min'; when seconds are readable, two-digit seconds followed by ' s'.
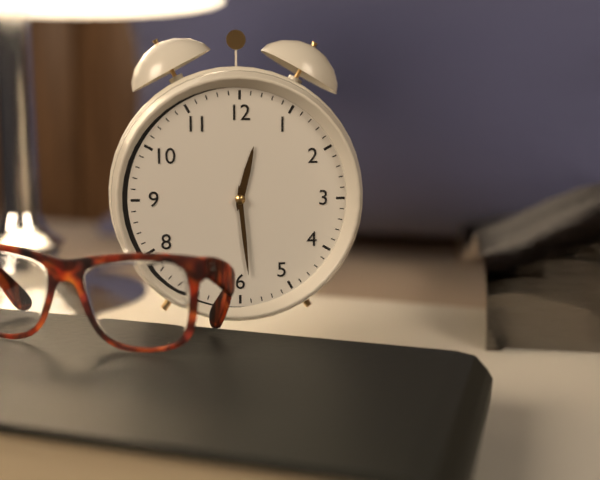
12 h 29 min
